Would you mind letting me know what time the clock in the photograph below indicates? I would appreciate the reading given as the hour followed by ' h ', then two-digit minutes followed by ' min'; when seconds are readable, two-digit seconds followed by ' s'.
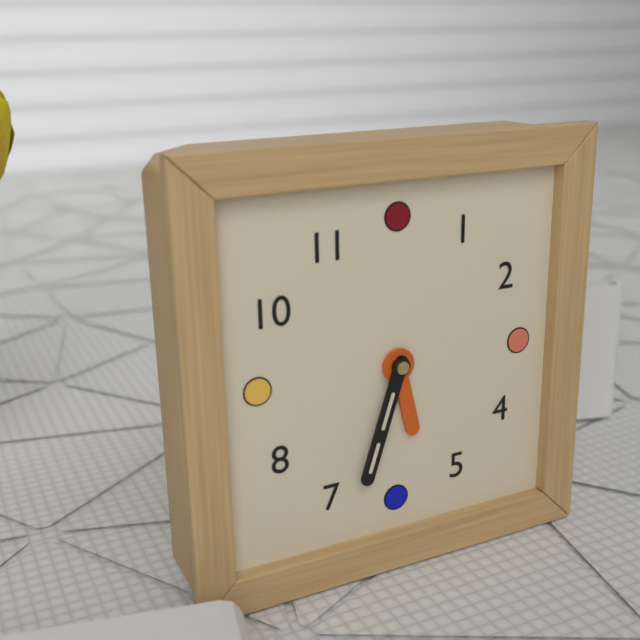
5 h 33 min
